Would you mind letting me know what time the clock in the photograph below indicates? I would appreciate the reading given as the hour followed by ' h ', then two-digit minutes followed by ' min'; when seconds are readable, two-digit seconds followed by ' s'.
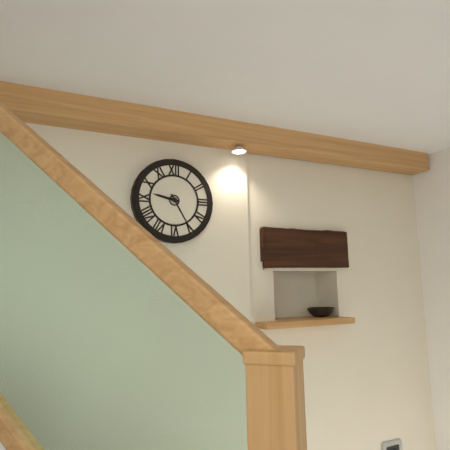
9 h 25 min
